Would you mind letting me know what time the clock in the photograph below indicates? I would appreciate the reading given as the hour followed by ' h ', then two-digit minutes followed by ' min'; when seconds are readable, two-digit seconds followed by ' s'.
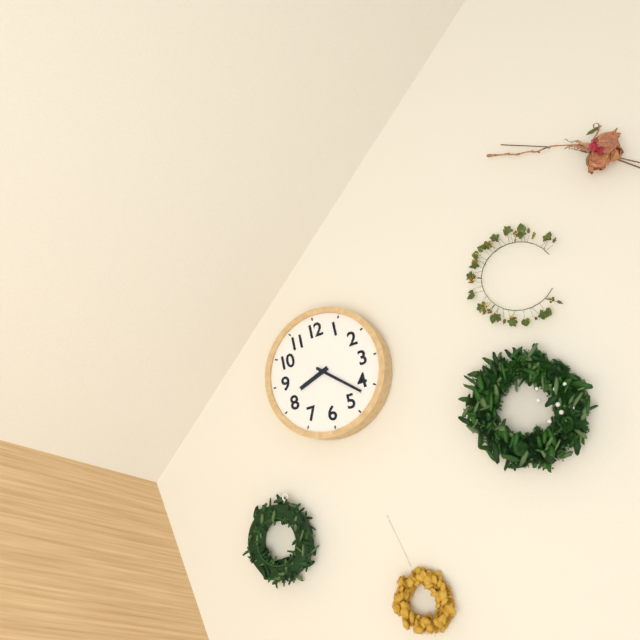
8 h 22 min
